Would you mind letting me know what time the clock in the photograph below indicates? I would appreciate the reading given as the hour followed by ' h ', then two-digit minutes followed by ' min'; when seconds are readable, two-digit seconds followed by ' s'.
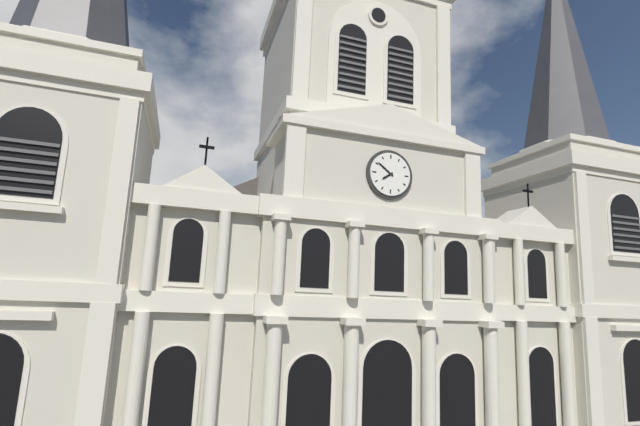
7 h 51 min
